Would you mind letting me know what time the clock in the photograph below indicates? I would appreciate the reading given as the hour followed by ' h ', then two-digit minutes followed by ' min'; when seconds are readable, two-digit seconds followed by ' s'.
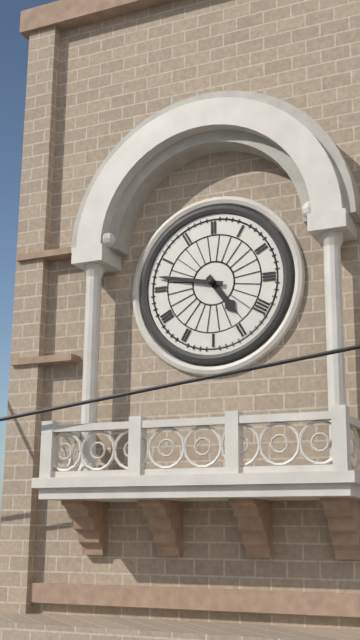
4 h 47 min
